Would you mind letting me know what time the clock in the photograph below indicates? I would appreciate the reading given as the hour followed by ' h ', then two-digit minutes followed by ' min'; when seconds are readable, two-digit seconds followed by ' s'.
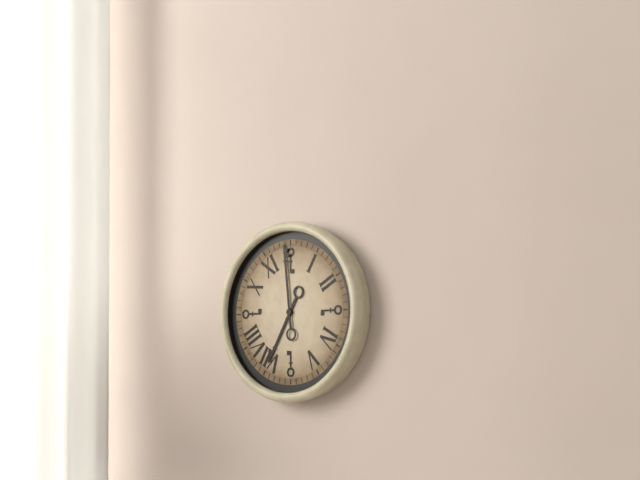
6 h 59 min
